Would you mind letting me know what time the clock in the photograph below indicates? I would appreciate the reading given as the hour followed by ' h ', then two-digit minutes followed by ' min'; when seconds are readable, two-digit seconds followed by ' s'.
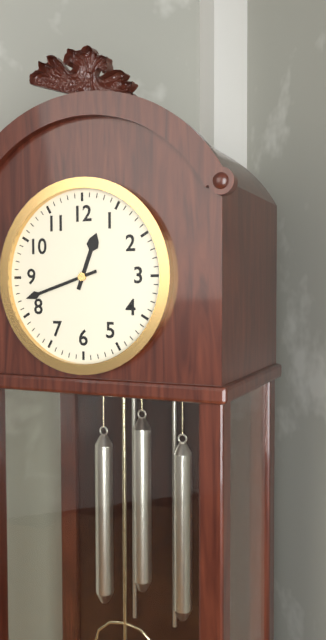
12 h 42 min
